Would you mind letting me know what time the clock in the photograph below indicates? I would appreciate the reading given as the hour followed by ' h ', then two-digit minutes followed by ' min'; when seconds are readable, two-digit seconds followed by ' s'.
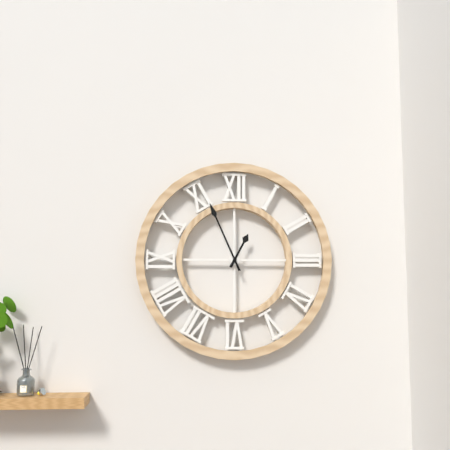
12 h 56 min
